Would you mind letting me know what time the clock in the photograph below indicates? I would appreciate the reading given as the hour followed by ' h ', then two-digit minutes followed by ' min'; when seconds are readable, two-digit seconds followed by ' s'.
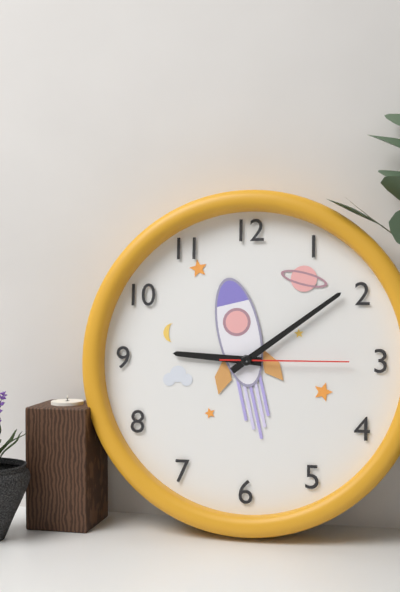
9 h 09 min 15 s
